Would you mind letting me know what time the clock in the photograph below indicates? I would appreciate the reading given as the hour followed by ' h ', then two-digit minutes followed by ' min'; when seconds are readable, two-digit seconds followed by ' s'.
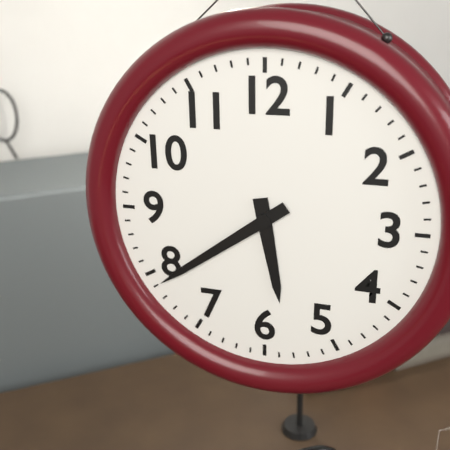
5 h 39 min
